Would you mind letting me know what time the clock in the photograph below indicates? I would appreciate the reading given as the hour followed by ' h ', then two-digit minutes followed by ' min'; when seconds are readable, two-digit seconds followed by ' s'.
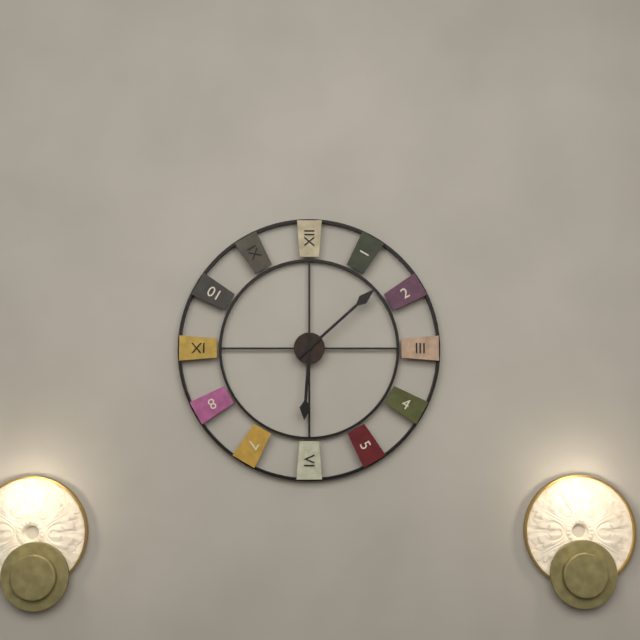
6 h 08 min
